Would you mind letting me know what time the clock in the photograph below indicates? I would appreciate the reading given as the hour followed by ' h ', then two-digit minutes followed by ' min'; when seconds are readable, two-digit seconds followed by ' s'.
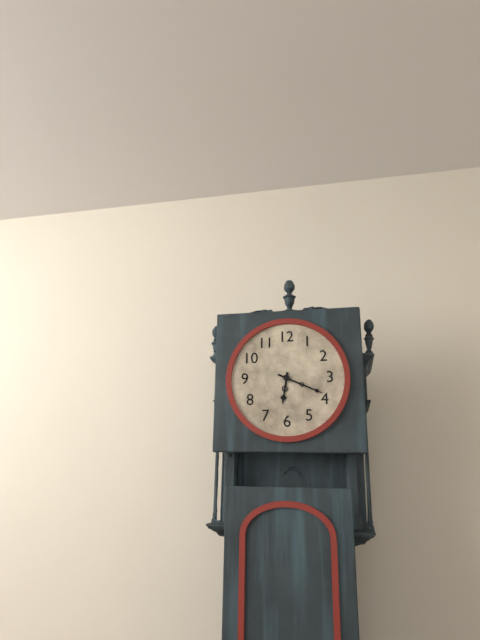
6 h 19 min
